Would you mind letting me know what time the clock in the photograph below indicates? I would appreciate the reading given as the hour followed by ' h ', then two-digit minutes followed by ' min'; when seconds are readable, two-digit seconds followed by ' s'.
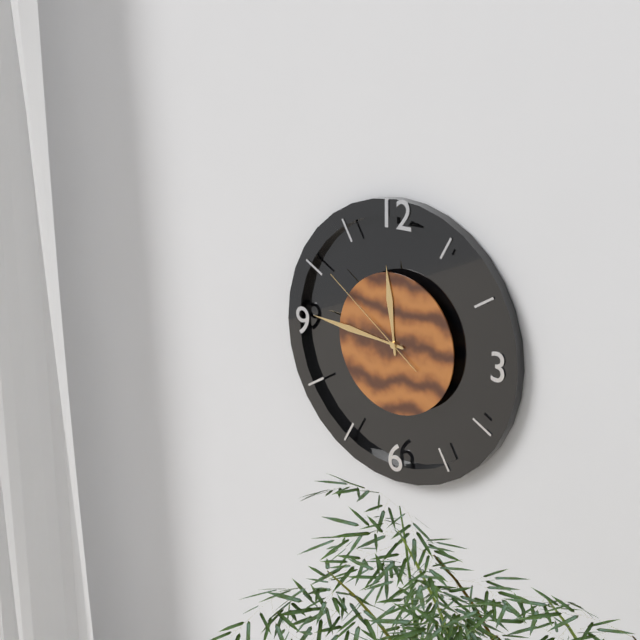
11 h 46 min 51 s
